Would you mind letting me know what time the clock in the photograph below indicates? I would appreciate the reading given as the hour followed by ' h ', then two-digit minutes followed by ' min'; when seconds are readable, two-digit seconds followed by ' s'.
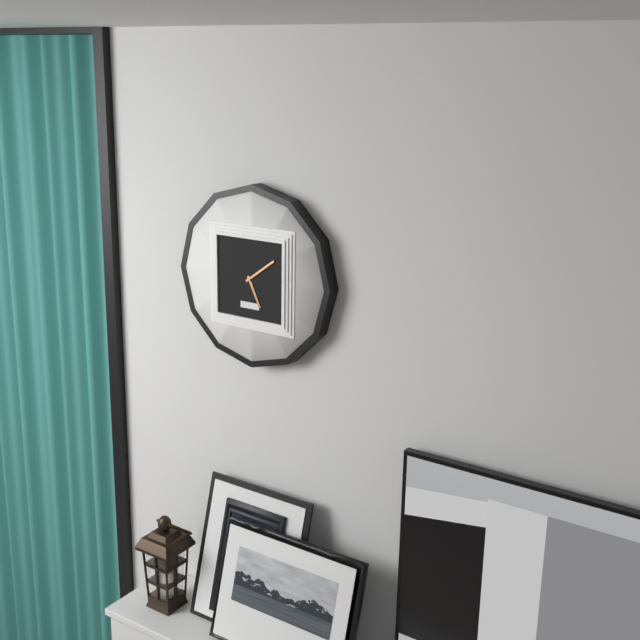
5 h 09 min
